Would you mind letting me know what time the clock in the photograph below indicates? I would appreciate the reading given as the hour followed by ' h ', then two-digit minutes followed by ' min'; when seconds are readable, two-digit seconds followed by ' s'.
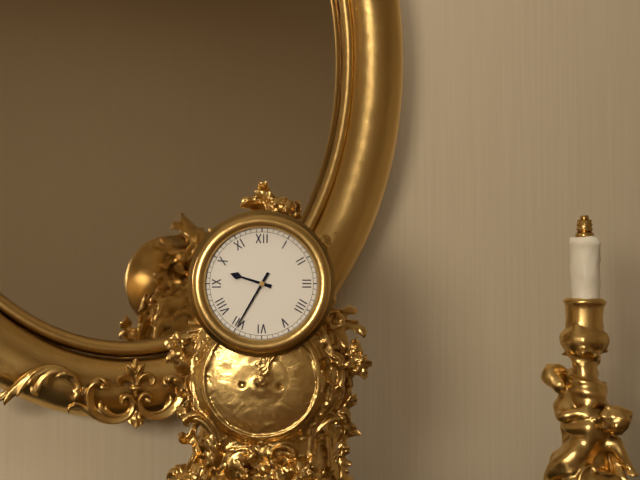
9 h 35 min
